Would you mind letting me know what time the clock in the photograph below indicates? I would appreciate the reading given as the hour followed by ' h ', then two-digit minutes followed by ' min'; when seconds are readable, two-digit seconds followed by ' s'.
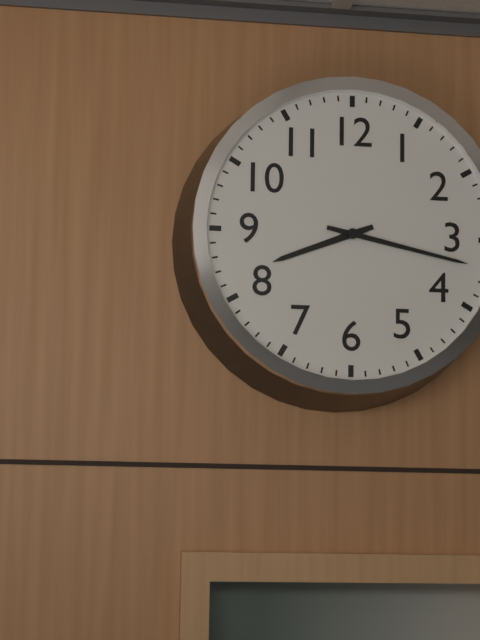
8 h 17 min
